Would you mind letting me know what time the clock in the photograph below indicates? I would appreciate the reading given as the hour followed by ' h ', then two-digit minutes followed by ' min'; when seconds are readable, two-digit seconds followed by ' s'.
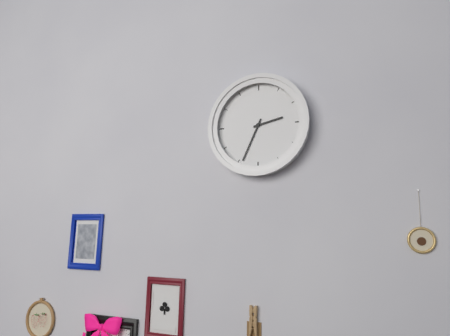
2 h 34 min
